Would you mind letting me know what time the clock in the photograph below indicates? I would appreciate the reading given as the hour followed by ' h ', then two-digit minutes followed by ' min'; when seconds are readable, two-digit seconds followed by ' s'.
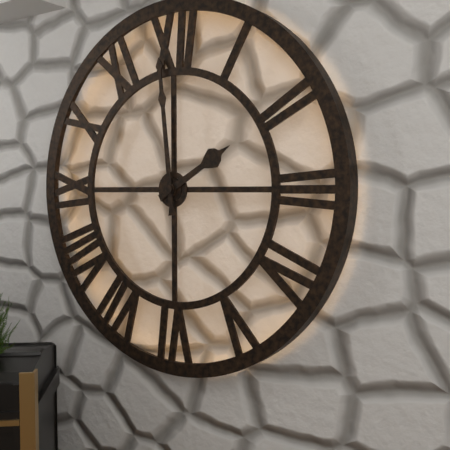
1 h 59 min
